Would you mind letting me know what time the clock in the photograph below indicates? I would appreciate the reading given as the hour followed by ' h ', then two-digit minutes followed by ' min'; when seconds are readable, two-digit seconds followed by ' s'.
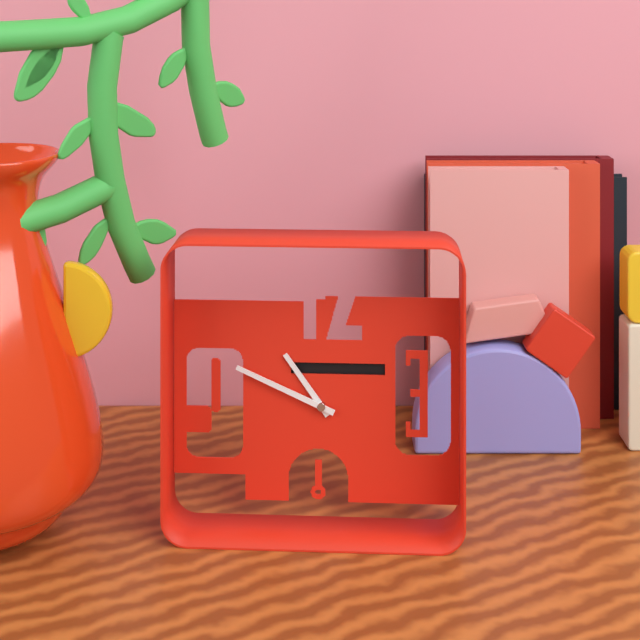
10 h 49 min
